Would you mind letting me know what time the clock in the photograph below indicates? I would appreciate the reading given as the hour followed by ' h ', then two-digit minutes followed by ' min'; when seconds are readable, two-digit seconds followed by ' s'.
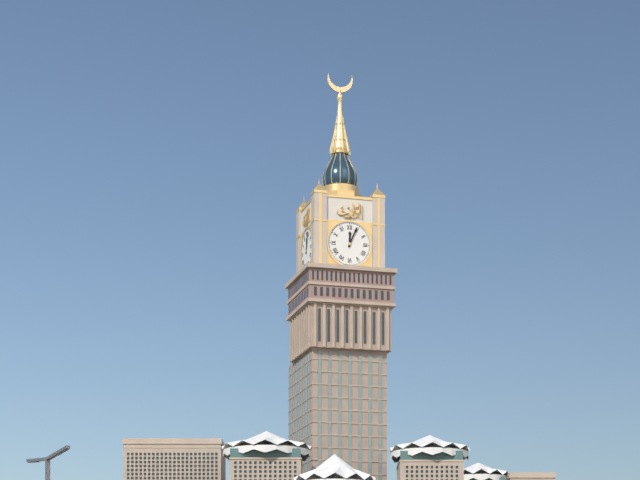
12 h 04 min
